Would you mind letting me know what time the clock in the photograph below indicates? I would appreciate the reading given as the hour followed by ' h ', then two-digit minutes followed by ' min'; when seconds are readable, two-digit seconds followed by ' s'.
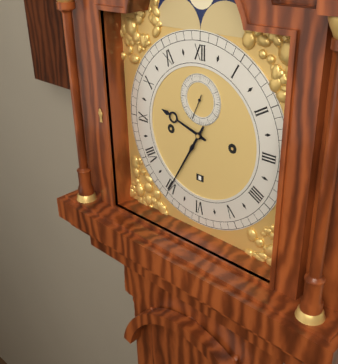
9 h 35 min
